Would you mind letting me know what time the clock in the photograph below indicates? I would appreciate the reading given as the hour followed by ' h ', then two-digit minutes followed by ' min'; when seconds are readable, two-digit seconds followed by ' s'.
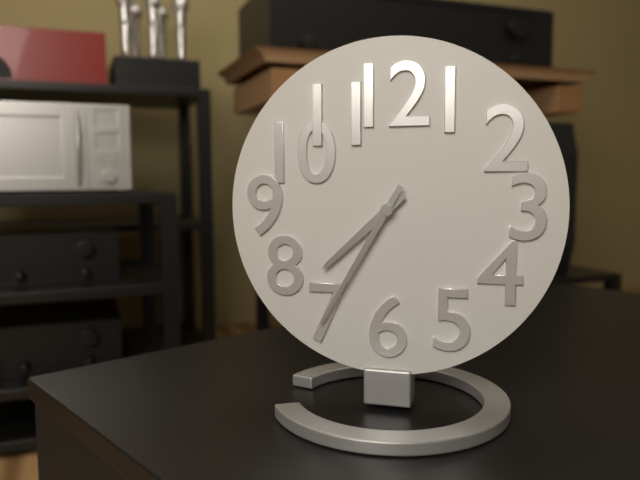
7 h 35 min
